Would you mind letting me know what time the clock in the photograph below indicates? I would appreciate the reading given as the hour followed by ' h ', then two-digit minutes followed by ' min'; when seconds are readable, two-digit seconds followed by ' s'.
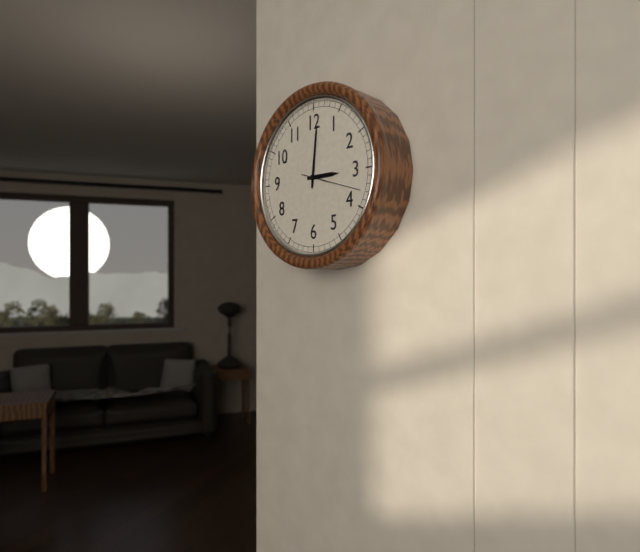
3 h 01 min 18 s
